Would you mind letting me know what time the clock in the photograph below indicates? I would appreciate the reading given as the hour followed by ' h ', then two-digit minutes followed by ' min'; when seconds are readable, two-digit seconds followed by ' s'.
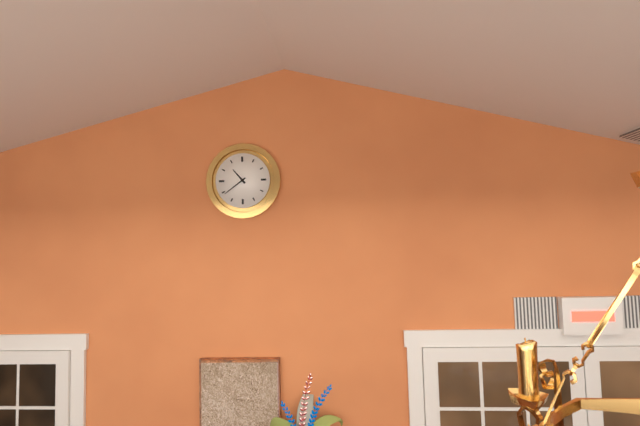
10 h 39 min
